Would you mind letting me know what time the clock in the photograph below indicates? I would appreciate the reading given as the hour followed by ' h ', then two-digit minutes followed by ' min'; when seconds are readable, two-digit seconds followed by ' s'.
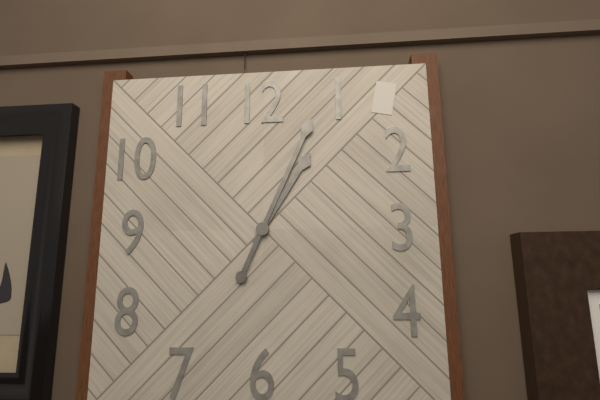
1 h 04 min
